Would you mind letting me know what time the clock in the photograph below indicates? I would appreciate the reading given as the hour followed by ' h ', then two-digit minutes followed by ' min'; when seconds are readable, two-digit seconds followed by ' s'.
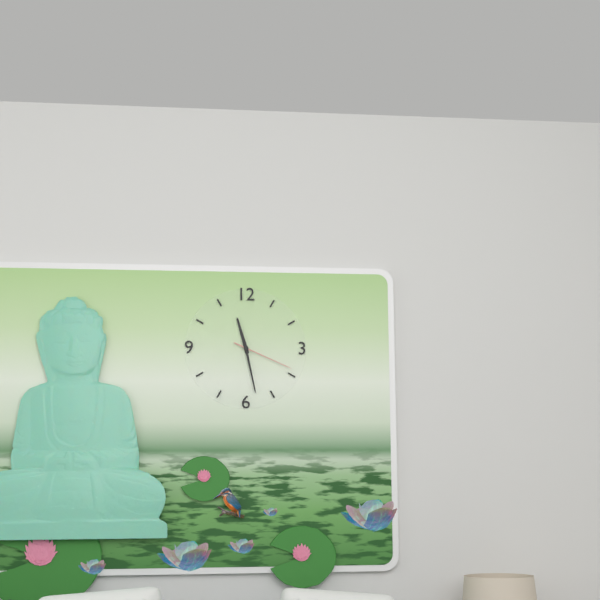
11 h 28 min 19 s
